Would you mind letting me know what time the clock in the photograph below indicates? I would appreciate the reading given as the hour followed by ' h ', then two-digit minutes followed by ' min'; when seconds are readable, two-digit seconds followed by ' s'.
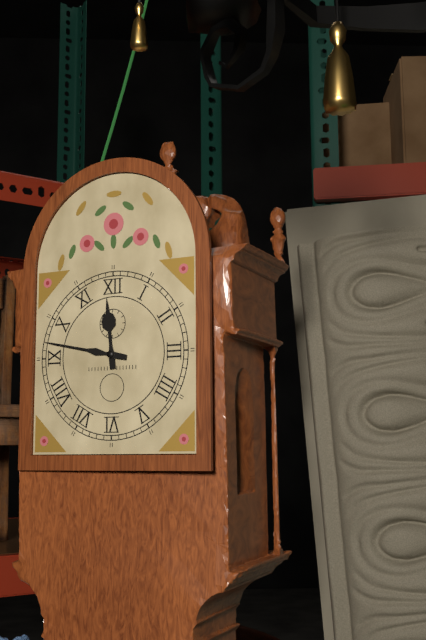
11 h 47 min
